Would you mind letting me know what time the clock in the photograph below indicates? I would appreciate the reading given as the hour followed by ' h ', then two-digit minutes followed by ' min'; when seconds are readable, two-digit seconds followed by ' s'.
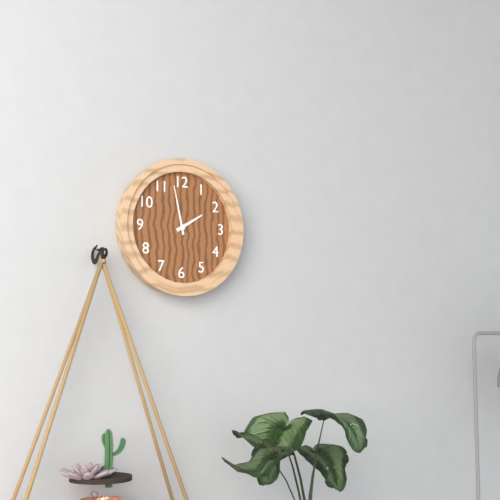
1 h 58 min
